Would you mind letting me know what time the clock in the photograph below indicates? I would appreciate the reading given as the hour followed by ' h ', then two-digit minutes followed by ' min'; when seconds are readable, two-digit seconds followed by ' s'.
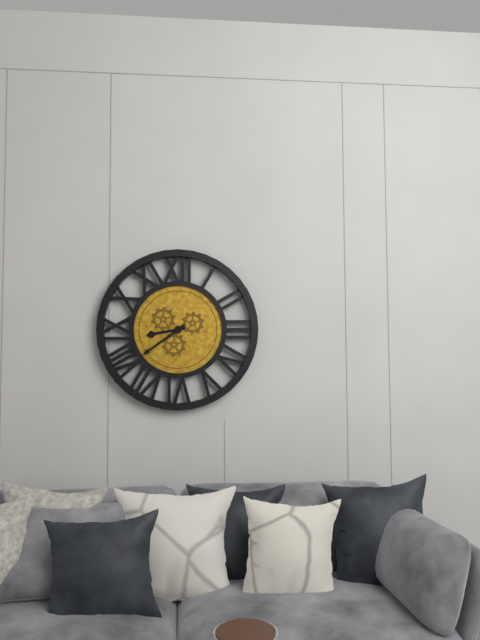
8 h 39 min
